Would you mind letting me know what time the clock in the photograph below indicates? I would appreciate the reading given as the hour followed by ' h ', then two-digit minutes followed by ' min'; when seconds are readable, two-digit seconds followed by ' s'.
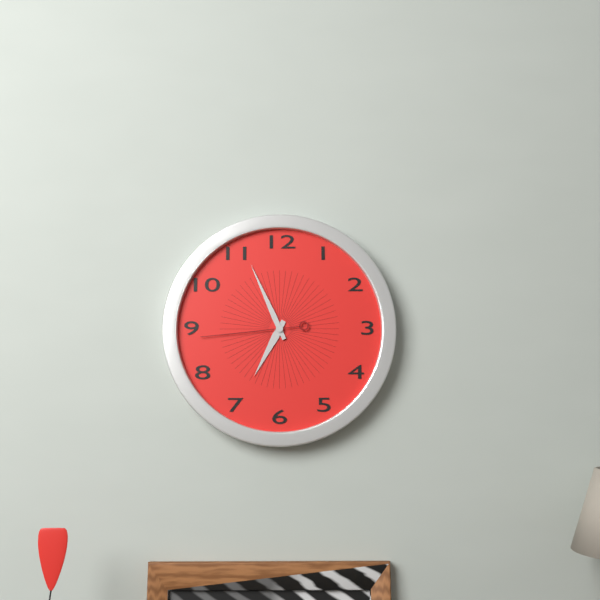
6 h 56 min 44 s
